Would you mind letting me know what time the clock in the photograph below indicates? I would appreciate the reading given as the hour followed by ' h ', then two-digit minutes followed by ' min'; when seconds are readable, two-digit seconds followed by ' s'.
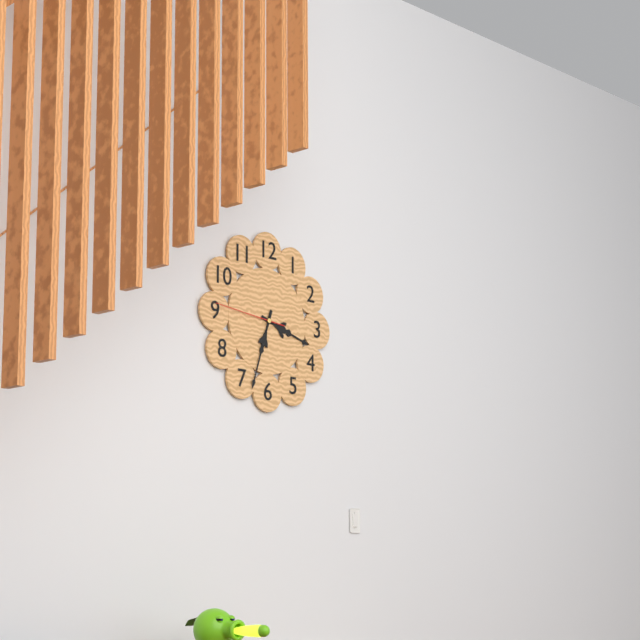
3 h 33 min 46 s
